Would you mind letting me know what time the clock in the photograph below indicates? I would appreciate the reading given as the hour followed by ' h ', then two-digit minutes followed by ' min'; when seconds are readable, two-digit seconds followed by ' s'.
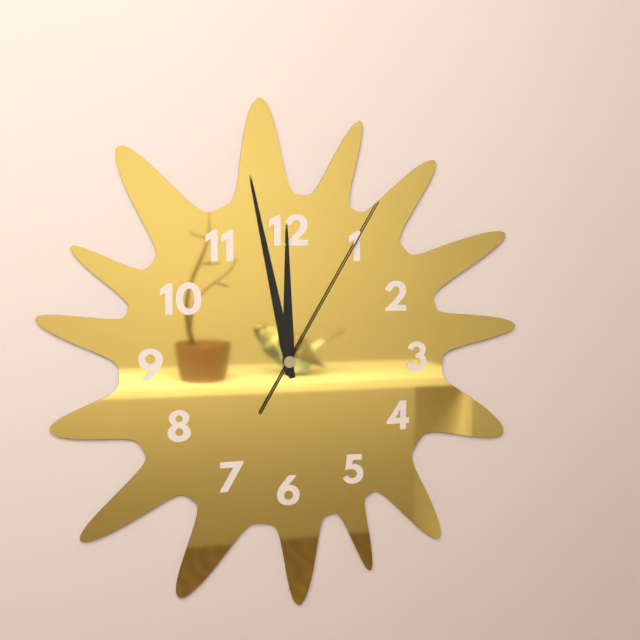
11 h 58 min 05 s
